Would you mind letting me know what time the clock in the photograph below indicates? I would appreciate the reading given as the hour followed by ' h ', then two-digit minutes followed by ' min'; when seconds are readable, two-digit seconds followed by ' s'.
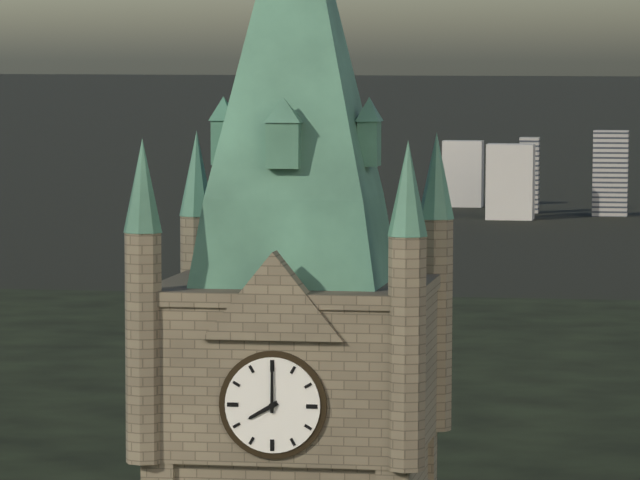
8 h 00 min
